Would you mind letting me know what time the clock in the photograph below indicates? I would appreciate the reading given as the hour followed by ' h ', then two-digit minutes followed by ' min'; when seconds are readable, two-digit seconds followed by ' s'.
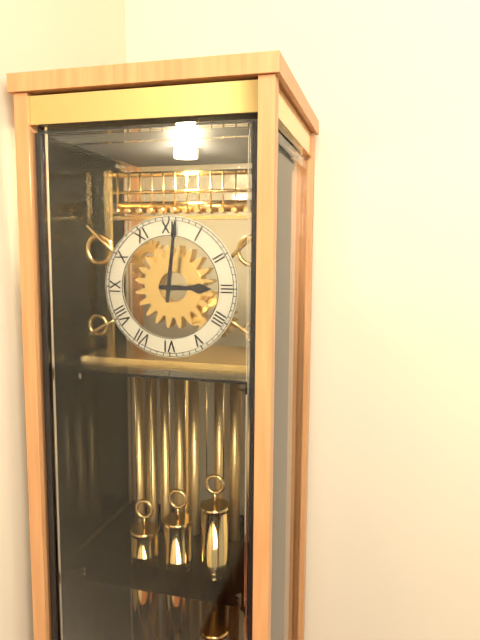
3 h 01 min
